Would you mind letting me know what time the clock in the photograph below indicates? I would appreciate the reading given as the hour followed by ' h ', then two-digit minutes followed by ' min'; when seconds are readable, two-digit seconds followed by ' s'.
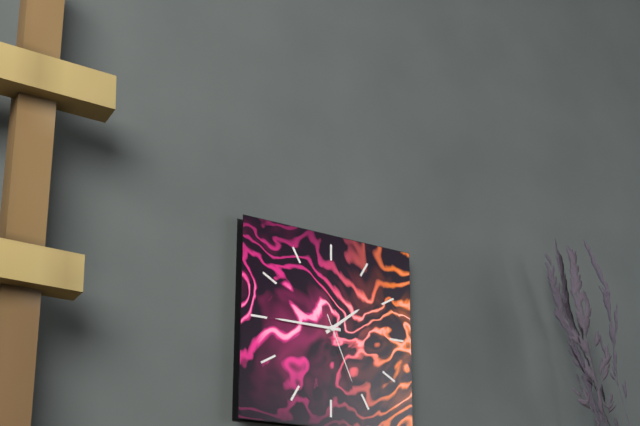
1 h 45 min 26 s
